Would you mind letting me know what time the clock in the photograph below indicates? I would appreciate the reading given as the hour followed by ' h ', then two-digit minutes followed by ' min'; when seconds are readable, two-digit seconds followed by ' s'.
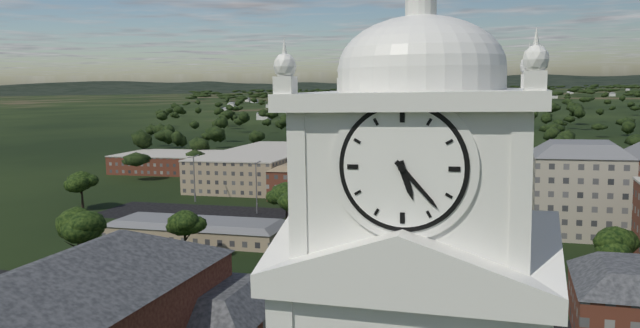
5 h 23 min
